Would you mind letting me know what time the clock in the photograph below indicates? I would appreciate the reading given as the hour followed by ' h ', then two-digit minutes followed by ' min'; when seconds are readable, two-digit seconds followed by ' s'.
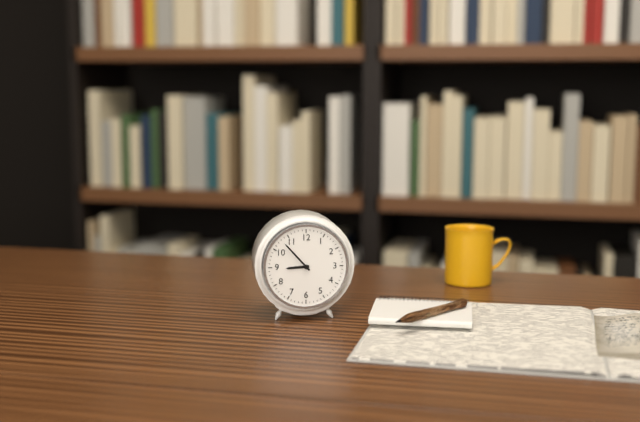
8 h 53 min
